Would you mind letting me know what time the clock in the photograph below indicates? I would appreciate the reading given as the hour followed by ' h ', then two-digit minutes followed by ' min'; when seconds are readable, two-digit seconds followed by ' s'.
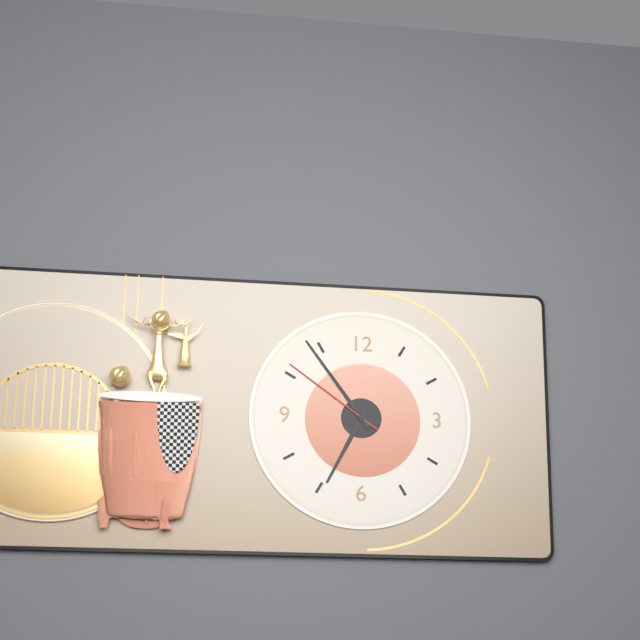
6 h 54 min 51 s
